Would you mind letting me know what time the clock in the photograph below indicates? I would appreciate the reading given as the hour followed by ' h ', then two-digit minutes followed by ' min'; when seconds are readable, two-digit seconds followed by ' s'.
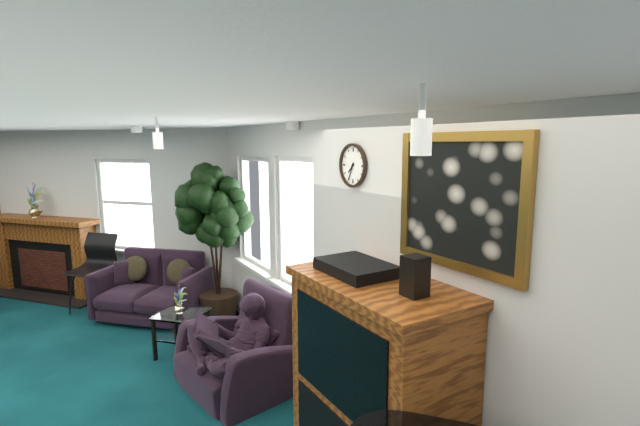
7 h 34 min
